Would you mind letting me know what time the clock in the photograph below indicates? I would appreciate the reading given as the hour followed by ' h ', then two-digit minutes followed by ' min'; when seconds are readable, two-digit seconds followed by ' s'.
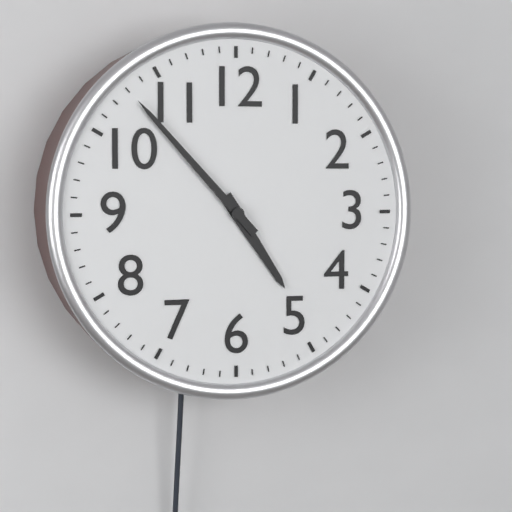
4 h 53 min
